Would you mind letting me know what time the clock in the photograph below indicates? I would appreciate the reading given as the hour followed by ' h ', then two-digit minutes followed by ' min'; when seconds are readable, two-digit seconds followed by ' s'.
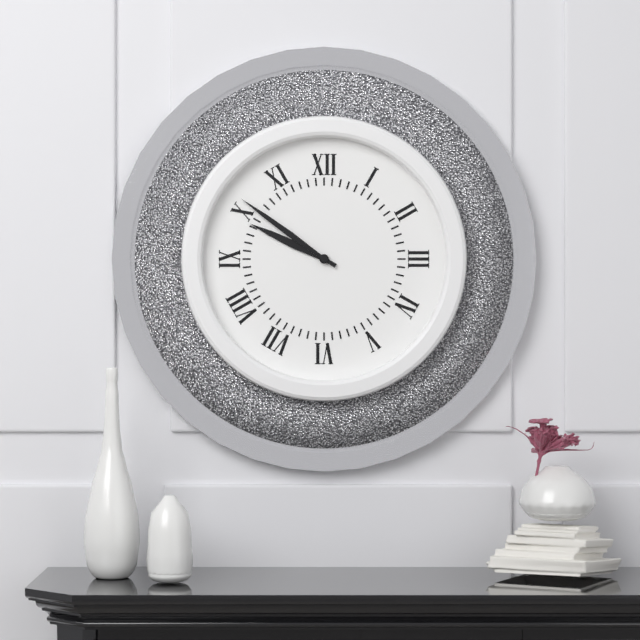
9 h 51 min
